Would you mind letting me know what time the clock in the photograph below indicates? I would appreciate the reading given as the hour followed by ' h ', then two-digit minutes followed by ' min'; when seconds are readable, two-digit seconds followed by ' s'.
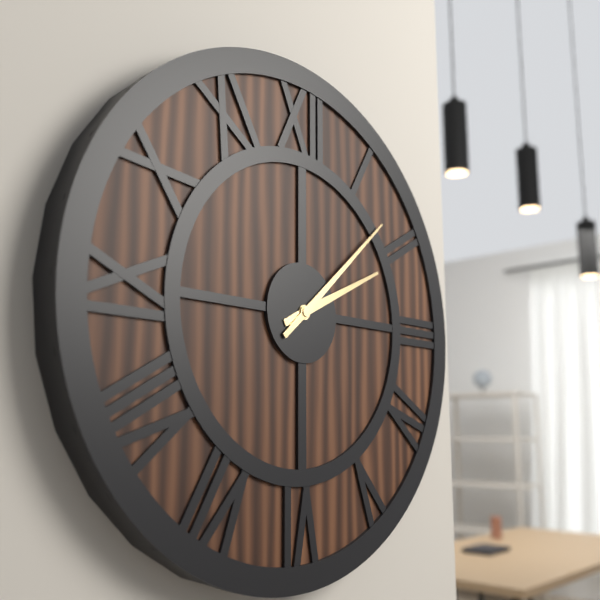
2 h 08 min
